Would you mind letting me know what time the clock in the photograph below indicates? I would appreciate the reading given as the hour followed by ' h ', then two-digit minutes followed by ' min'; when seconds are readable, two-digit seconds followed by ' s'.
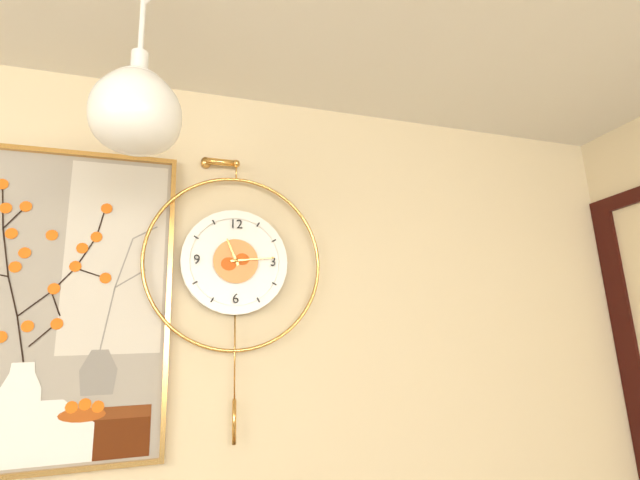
11 h 14 min
